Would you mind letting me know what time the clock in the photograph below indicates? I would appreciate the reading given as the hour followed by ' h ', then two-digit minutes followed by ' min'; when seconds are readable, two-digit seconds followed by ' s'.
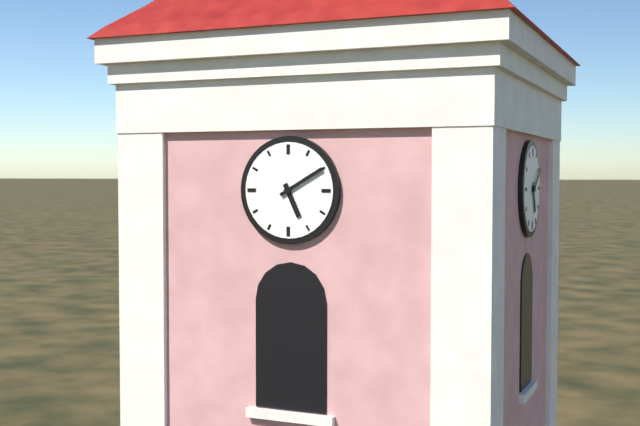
5 h 10 min
